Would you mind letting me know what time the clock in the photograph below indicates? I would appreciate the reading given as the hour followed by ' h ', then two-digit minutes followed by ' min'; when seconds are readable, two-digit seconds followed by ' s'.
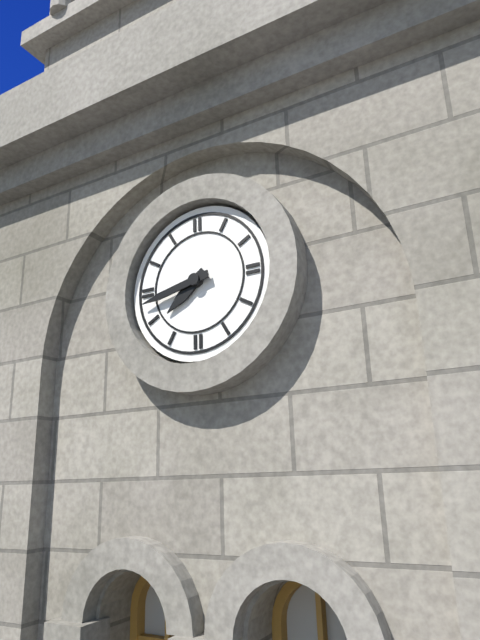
7 h 43 min
